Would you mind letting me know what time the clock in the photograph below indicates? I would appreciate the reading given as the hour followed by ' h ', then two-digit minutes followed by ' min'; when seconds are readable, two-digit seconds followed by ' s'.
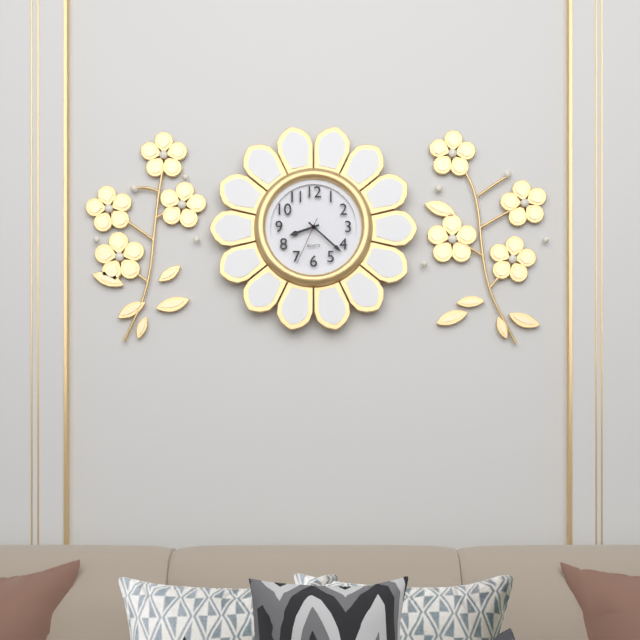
8 h 22 min
